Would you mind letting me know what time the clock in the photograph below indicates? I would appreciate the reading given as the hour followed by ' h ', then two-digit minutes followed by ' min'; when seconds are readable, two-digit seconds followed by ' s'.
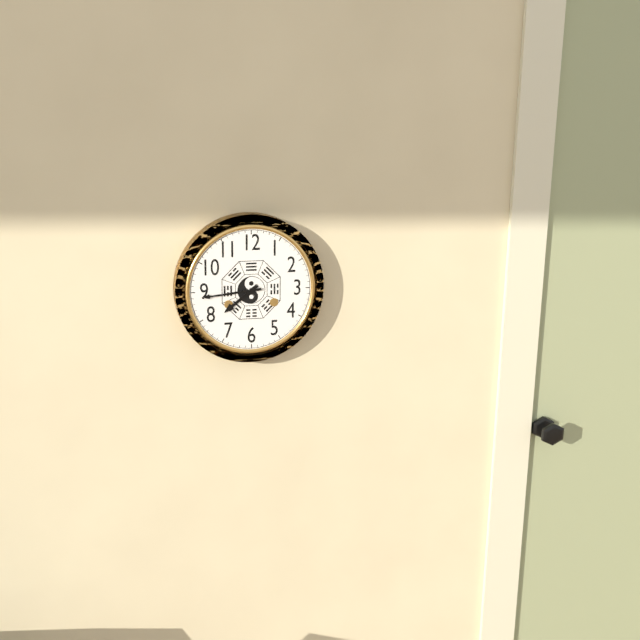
7 h 44 min
